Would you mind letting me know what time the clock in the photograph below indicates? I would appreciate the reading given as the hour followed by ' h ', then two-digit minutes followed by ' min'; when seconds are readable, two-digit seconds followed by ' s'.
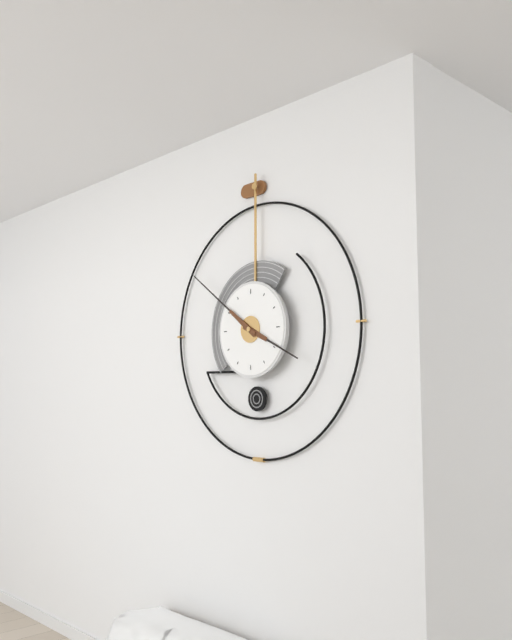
3 h 51 min
